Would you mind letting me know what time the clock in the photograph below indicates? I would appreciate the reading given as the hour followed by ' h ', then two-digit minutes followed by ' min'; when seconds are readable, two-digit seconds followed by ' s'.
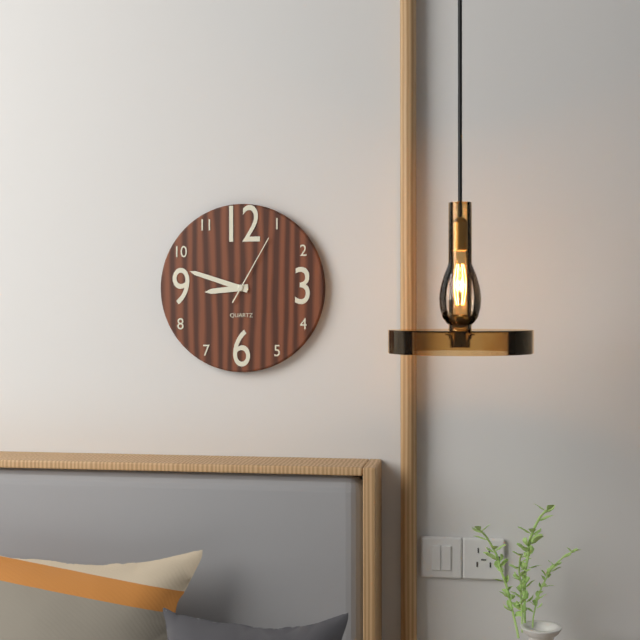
8 h 48 min 05 s
